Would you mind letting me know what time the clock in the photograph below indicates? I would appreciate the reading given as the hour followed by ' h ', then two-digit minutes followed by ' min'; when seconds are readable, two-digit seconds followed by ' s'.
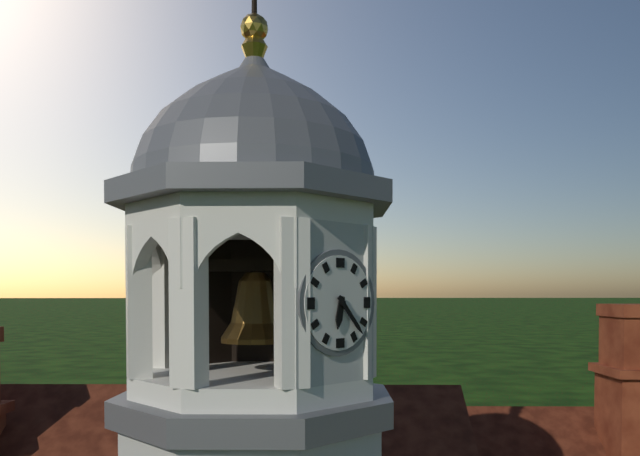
6 h 23 min
